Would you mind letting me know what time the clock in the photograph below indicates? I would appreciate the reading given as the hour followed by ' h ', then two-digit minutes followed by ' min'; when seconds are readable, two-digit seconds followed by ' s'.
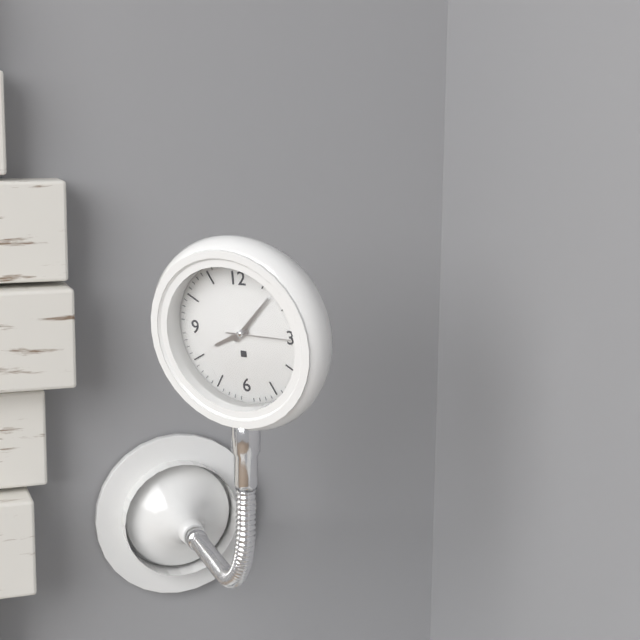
8 h 07 min 15 s
